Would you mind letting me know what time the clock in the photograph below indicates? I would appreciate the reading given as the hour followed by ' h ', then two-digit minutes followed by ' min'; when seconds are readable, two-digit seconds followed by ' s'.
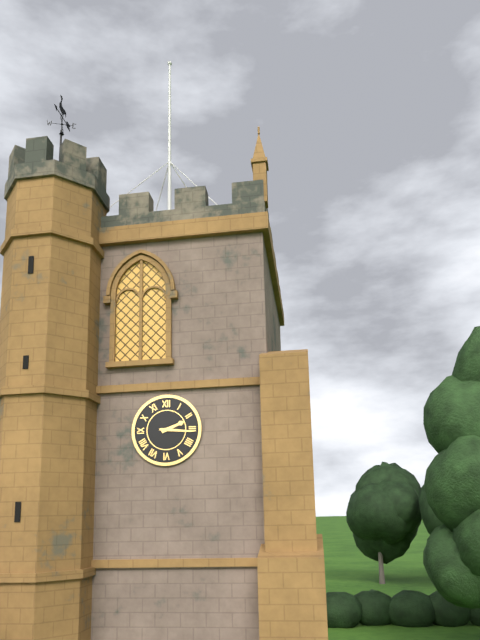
2 h 16 min
